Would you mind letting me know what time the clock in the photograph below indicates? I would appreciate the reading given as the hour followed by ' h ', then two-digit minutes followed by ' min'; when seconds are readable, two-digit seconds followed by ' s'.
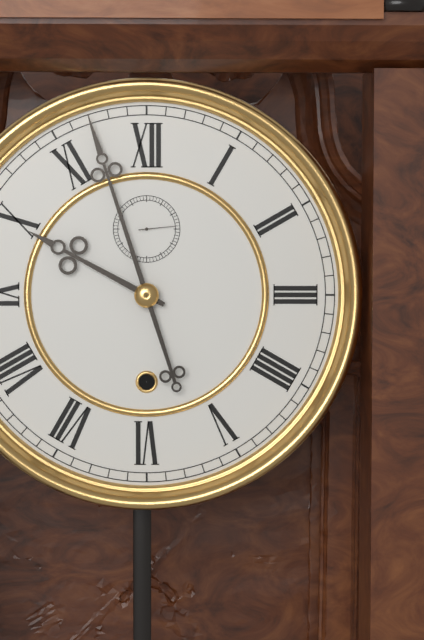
9 h 57 min
